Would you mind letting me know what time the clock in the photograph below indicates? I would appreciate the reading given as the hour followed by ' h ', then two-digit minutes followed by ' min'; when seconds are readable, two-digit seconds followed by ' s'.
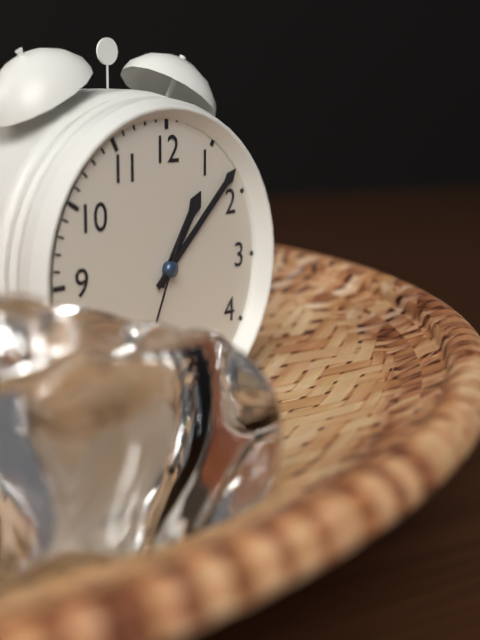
1 h 08 min 34 s
